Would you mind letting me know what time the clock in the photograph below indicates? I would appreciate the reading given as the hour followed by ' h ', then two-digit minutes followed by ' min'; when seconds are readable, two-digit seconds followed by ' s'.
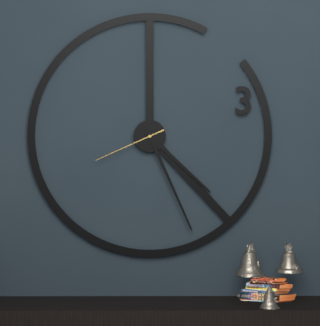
4 h 26 min 41 s
